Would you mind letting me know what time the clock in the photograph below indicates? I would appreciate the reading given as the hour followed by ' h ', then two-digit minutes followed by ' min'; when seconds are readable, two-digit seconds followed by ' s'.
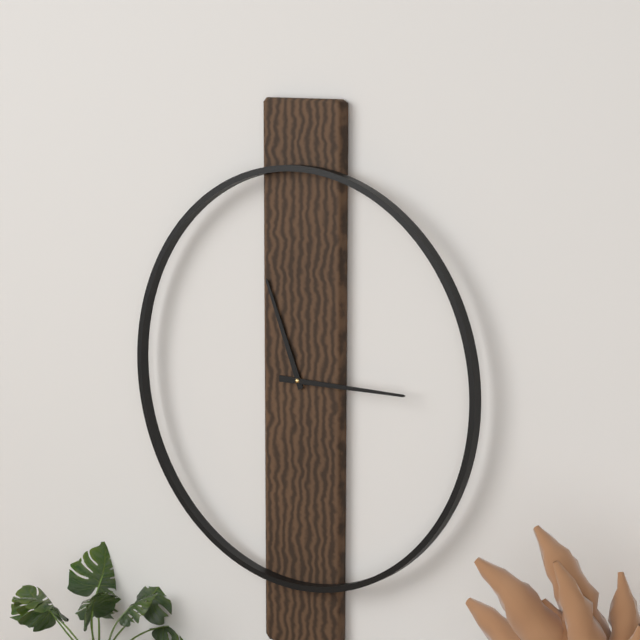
11 h 15 min
